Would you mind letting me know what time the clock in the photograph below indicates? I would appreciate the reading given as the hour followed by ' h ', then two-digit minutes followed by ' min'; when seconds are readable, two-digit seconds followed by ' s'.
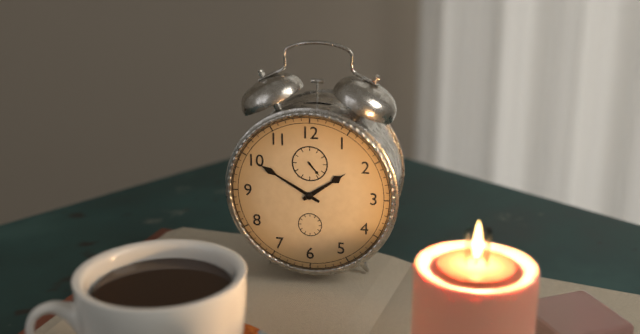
1 h 50 min
